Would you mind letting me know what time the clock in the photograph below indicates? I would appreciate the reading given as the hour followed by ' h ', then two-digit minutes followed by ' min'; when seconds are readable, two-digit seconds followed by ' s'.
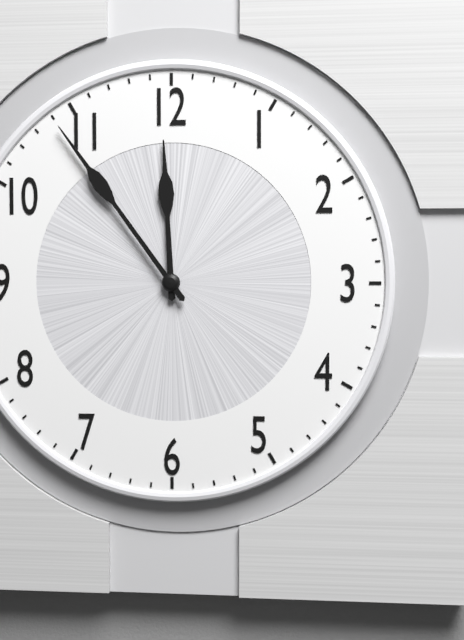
11 h 54 min
